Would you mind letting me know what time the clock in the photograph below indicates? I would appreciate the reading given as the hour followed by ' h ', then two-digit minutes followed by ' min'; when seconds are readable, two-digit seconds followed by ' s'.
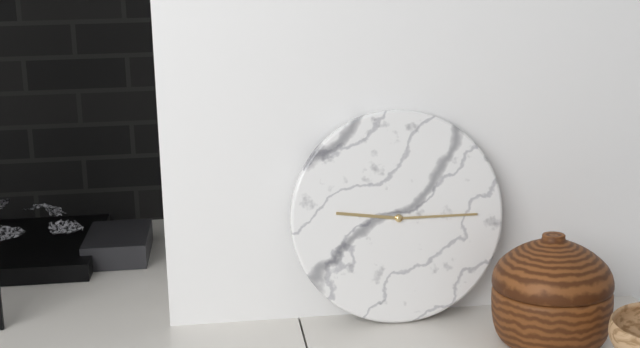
9 h 15 min
